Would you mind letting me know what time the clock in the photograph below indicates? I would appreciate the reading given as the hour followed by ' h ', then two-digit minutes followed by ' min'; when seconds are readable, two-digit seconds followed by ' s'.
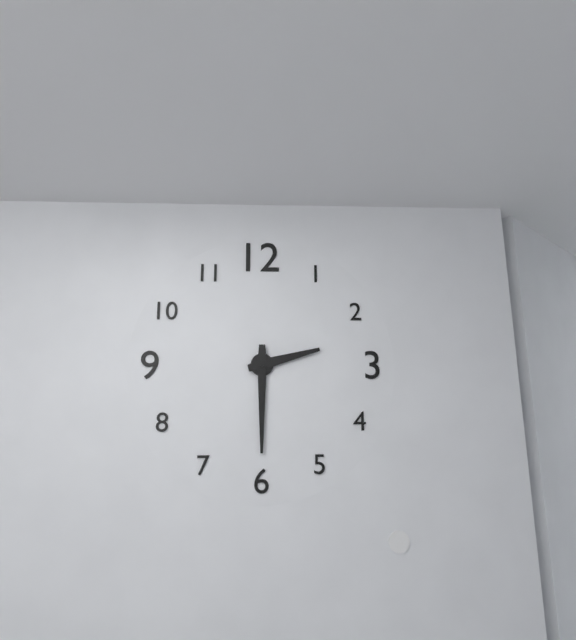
2 h 30 min
